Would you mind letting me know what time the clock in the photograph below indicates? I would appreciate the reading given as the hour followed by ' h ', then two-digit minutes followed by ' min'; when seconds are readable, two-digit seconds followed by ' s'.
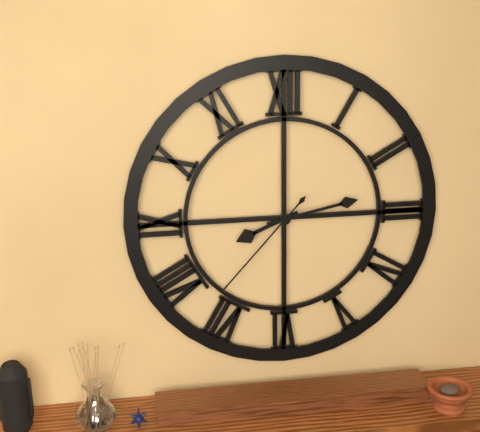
8 h 13 min 37 s
